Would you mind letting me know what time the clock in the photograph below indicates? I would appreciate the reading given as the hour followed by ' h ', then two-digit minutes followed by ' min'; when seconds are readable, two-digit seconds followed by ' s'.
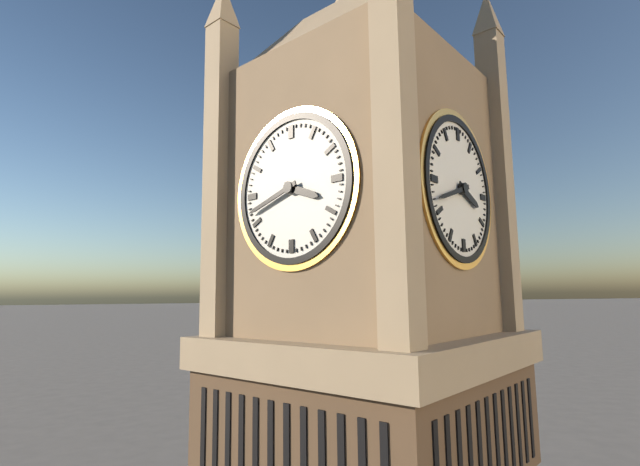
3 h 42 min
